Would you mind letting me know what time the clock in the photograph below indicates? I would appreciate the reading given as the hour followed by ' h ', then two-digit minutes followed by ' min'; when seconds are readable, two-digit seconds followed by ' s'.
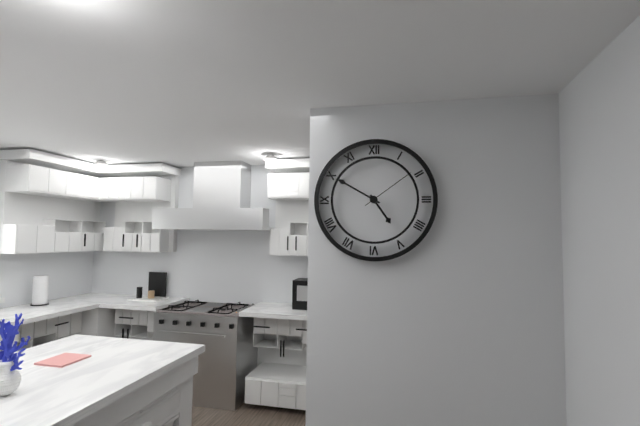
4 h 50 min 09 s
